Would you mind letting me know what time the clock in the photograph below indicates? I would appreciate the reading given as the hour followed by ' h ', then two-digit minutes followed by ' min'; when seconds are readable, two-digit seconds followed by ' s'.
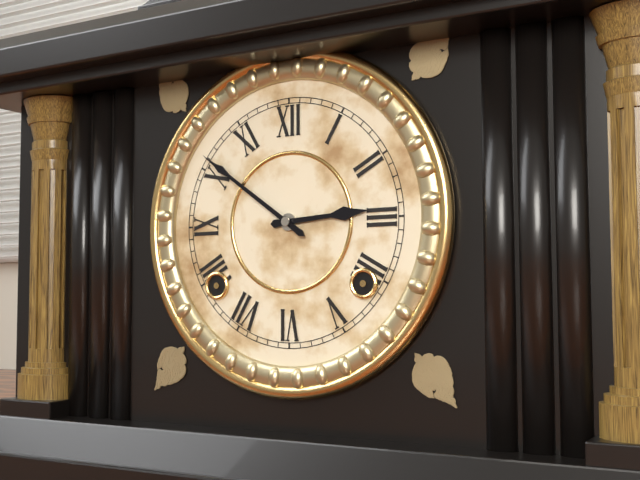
2 h 51 min
